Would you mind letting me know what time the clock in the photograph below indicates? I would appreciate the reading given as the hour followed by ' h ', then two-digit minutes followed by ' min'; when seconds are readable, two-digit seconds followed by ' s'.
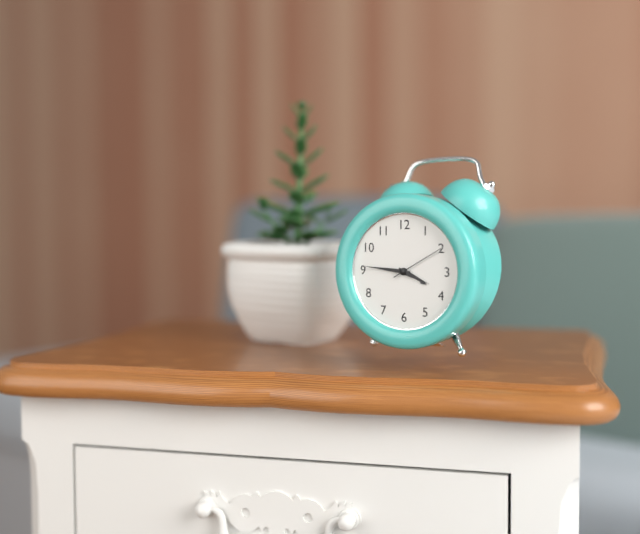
3 h 46 min 10 s
